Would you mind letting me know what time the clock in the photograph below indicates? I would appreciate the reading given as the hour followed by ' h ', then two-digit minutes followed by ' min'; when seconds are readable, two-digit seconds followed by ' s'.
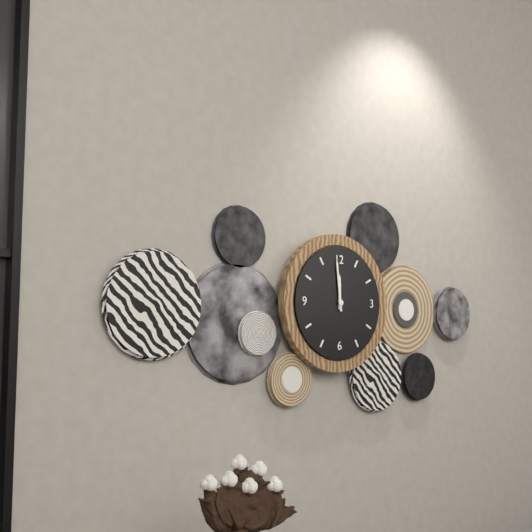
11 h 59 min
